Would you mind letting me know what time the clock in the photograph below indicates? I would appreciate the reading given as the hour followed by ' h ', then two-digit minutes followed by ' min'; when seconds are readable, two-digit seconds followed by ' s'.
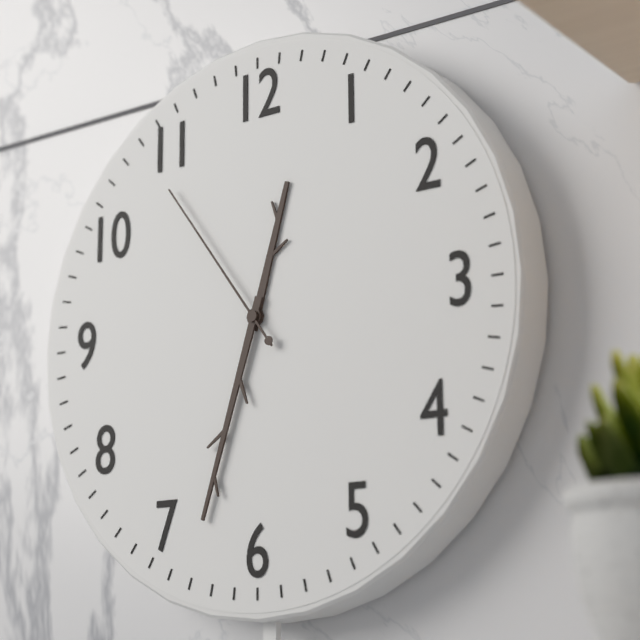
12 h 33 min 54 s
